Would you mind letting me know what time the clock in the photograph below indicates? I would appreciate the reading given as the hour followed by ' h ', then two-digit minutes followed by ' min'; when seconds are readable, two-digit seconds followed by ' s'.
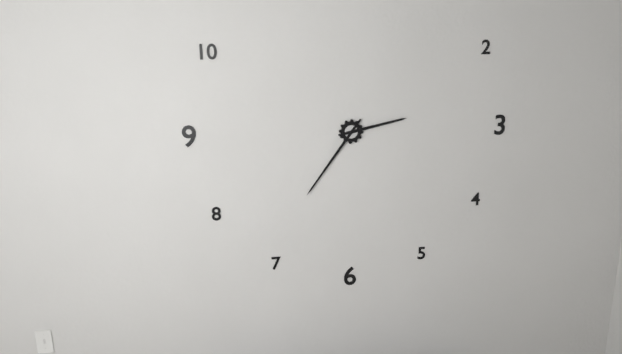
2 h 36 min
